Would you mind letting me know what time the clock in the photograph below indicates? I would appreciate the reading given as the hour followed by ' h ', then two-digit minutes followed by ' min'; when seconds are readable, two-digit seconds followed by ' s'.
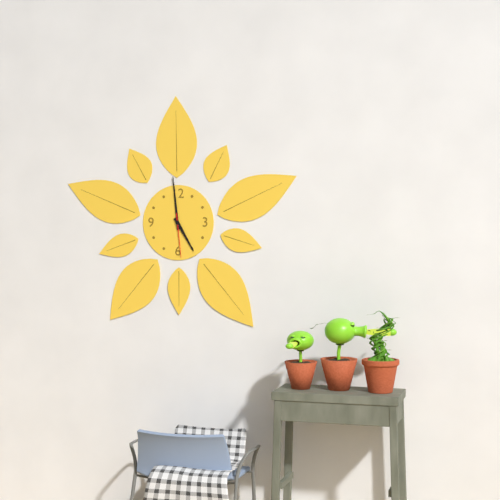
4 h 59 min
